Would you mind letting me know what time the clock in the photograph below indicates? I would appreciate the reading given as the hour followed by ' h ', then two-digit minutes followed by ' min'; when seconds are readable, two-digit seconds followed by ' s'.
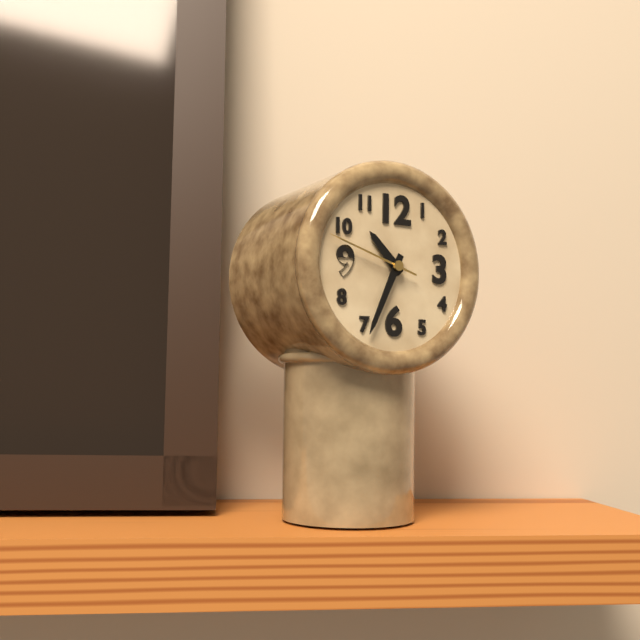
10 h 34 min 48 s
